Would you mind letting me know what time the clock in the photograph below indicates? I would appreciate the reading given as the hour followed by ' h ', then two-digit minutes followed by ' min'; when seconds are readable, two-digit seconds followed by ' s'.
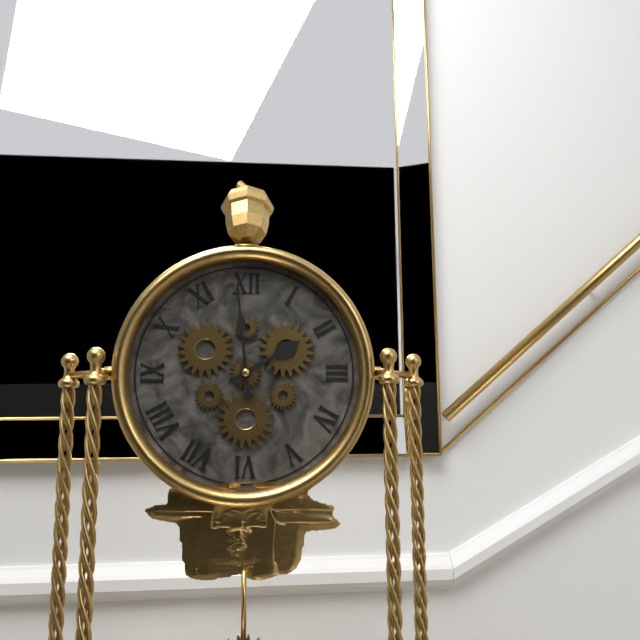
1 h 59 min
